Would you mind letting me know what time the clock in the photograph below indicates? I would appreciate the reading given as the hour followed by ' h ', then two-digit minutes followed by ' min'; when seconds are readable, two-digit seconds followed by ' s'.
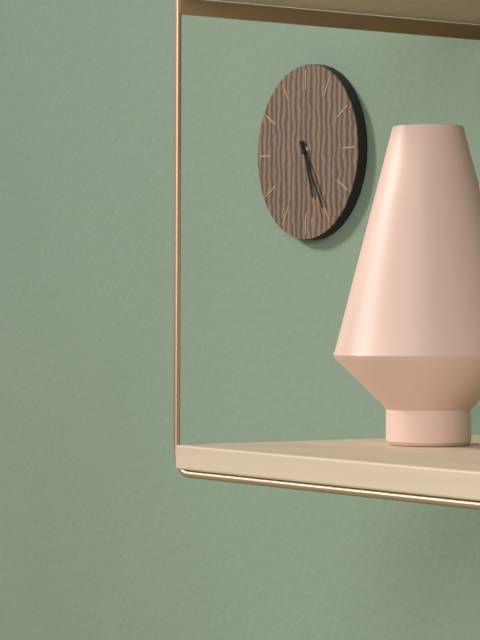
5 h 25 min
